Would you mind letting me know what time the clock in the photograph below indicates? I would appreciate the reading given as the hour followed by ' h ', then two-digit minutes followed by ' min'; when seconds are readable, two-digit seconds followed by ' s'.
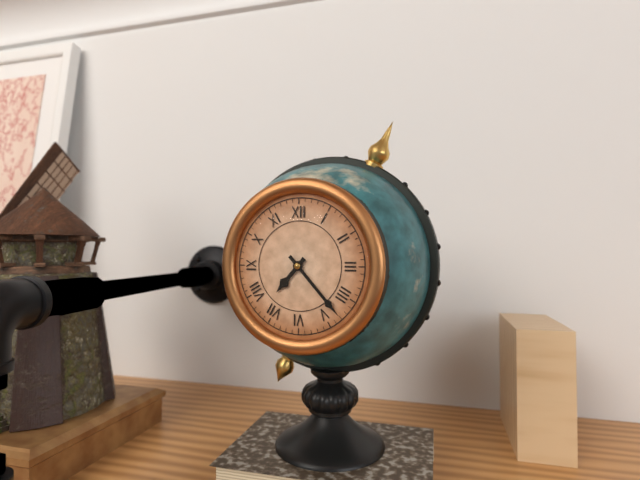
7 h 23 min
